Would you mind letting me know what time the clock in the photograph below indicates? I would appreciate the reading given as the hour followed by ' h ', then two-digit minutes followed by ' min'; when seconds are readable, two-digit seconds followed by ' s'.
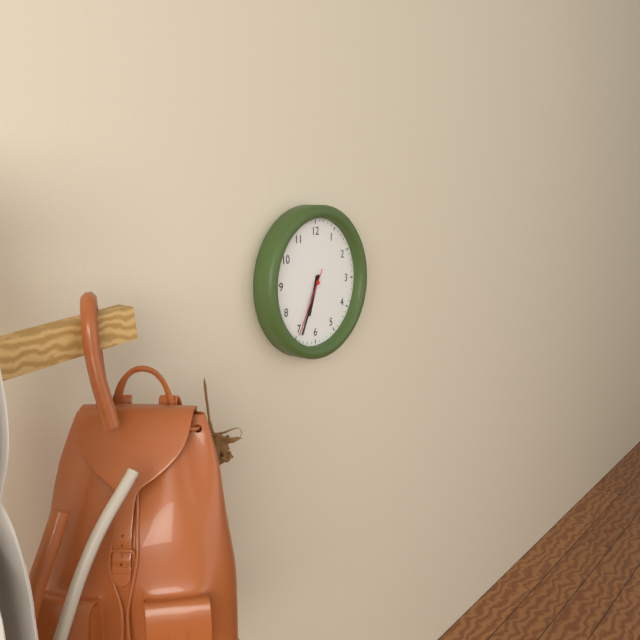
6 h 34 min 35 s
